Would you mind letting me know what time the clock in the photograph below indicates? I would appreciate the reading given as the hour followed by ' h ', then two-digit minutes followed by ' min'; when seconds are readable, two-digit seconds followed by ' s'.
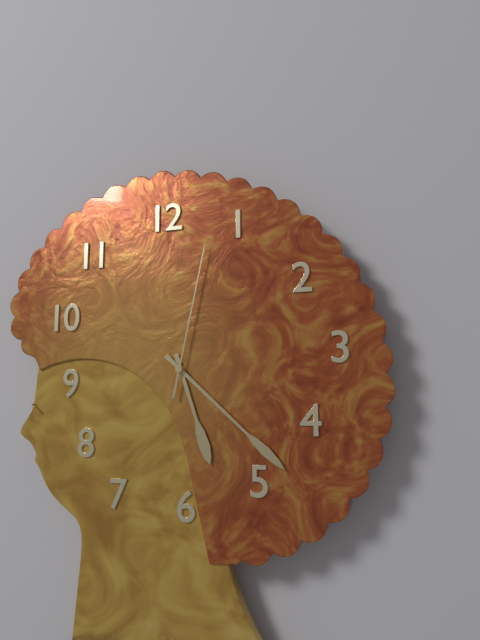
5 h 22 min 02 s
